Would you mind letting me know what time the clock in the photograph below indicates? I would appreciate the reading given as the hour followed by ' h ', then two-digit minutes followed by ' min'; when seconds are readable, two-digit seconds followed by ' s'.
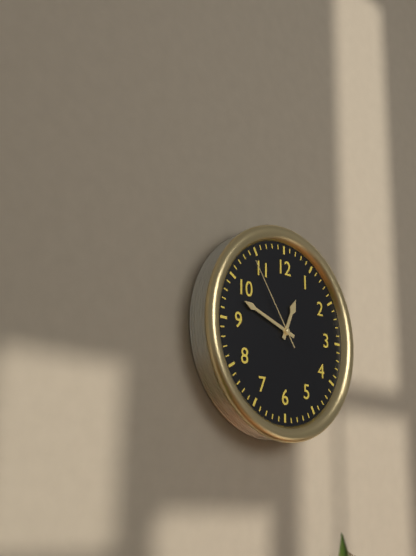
12 h 48 min 54 s
